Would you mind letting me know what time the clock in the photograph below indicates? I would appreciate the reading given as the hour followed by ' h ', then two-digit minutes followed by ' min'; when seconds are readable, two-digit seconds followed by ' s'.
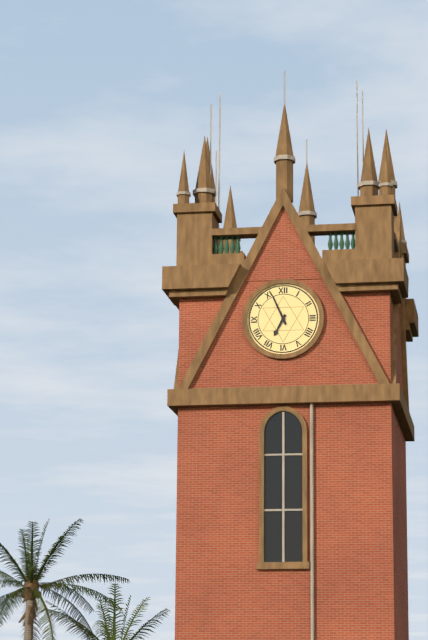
6 h 56 min
